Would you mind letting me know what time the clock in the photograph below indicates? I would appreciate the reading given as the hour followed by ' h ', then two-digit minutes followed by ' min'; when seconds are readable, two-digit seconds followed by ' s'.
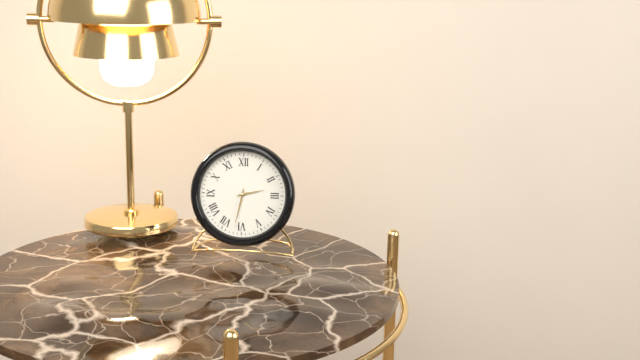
2 h 32 min
